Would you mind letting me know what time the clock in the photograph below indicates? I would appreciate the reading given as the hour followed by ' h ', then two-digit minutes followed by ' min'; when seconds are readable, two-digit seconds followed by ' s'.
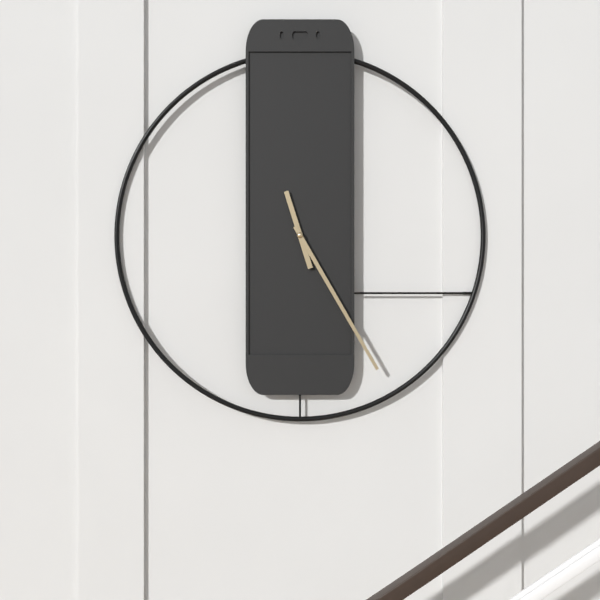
11 h 25 min
